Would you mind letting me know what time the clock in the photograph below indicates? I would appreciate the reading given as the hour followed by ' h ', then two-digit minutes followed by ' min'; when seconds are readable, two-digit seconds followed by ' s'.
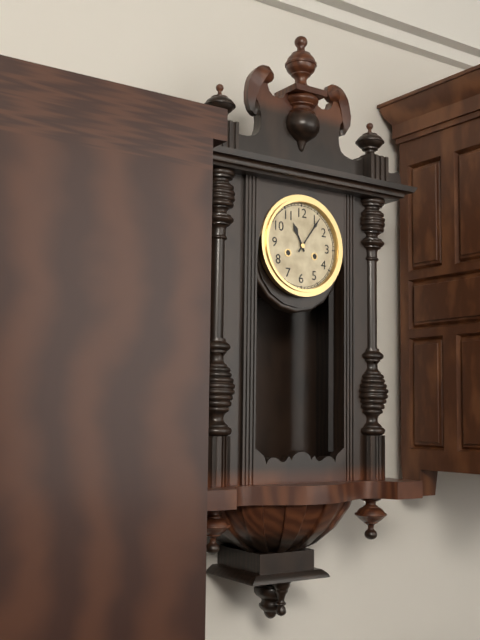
11 h 06 min
